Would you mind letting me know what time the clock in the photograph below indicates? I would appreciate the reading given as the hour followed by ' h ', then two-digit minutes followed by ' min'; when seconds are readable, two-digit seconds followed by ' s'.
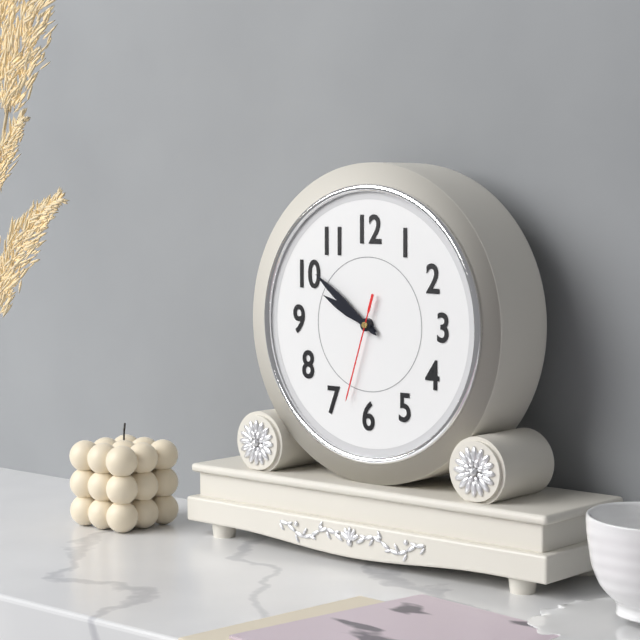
9 h 51 min 33 s
